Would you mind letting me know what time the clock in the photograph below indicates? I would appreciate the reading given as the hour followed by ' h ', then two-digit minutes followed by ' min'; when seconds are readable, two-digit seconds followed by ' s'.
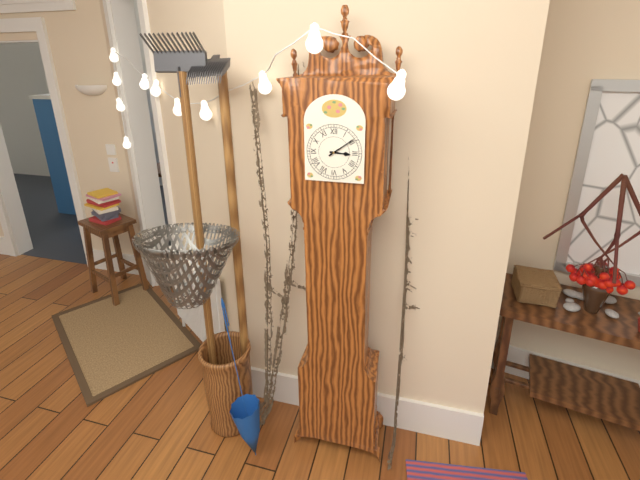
3 h 09 min
